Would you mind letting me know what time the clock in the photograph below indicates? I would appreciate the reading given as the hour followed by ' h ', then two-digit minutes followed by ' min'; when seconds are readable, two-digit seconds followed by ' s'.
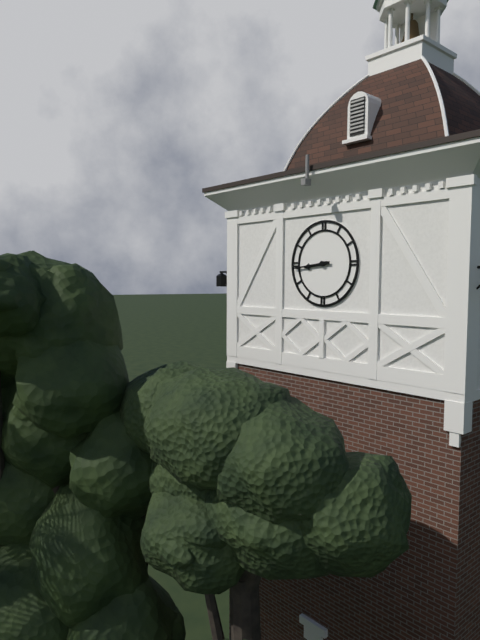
8 h 44 min
